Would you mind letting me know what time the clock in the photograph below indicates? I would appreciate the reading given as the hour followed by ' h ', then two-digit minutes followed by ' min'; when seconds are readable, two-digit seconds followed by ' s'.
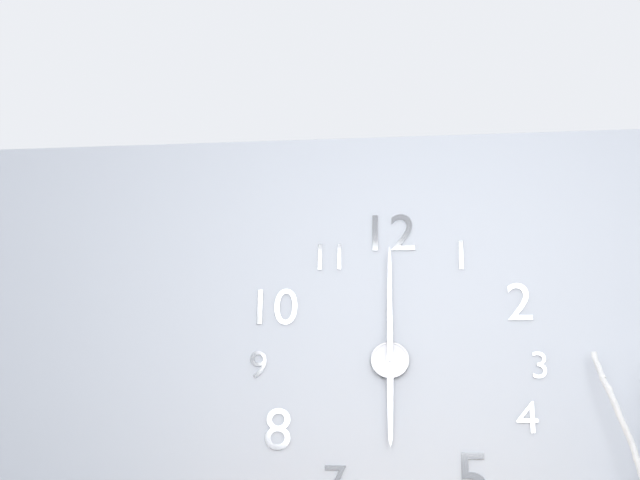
6 h 00 min
